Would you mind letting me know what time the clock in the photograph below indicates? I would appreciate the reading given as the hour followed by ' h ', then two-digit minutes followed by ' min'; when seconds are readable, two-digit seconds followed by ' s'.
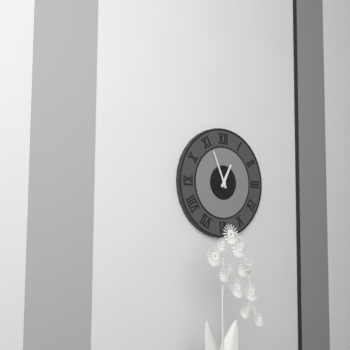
12 h 56 min
